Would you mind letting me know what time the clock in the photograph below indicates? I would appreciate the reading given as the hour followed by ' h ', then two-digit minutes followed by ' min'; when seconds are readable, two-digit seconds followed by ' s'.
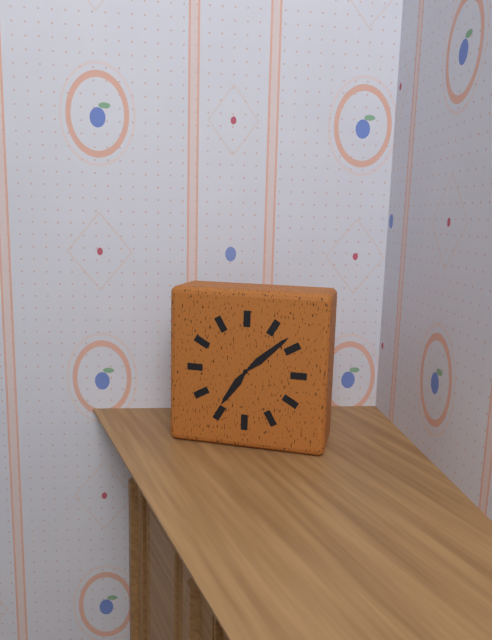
7 h 08 min
